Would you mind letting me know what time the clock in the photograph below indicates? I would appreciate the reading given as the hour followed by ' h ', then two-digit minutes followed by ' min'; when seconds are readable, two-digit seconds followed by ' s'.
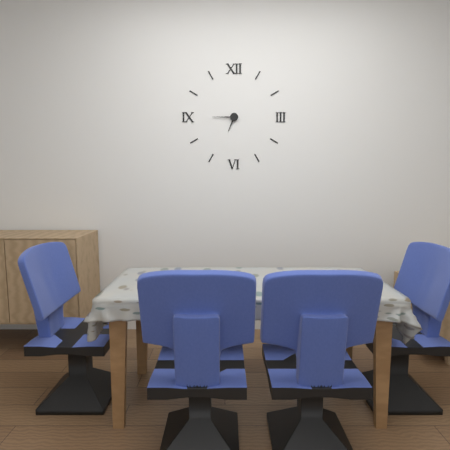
6 h 45 min
